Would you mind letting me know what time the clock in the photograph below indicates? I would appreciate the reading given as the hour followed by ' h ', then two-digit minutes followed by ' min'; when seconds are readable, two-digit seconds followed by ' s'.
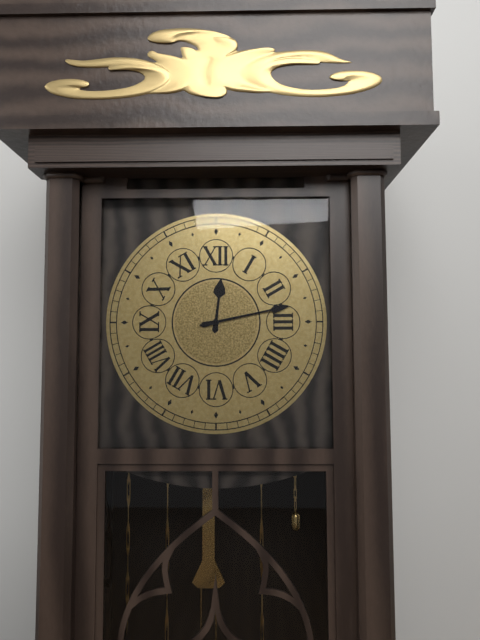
12 h 13 min
